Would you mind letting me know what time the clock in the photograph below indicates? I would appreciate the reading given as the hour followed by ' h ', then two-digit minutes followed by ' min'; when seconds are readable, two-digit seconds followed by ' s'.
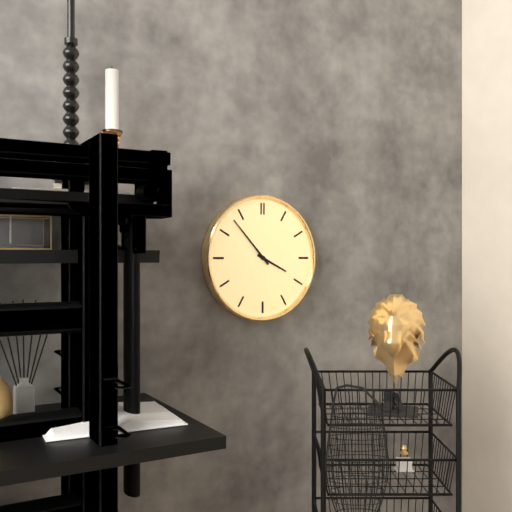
3 h 53 min
